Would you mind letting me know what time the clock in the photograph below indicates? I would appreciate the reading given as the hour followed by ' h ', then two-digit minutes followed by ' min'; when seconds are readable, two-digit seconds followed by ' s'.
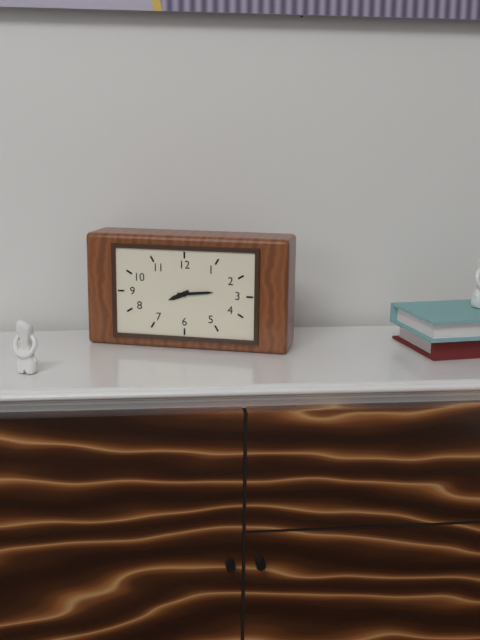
8 h 14 min
